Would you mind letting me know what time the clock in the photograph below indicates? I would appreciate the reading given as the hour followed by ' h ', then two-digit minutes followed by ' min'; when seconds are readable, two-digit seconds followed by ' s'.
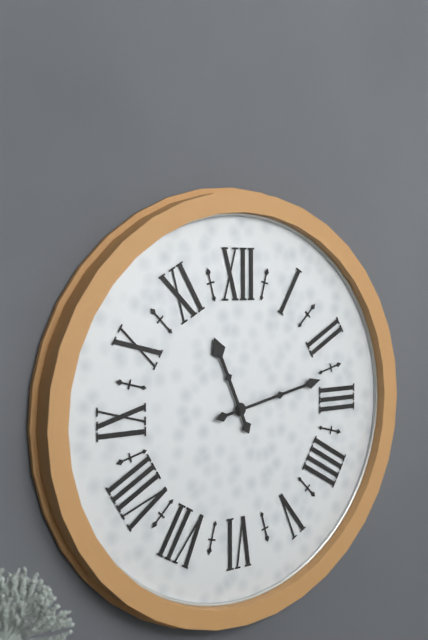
11 h 13 min
